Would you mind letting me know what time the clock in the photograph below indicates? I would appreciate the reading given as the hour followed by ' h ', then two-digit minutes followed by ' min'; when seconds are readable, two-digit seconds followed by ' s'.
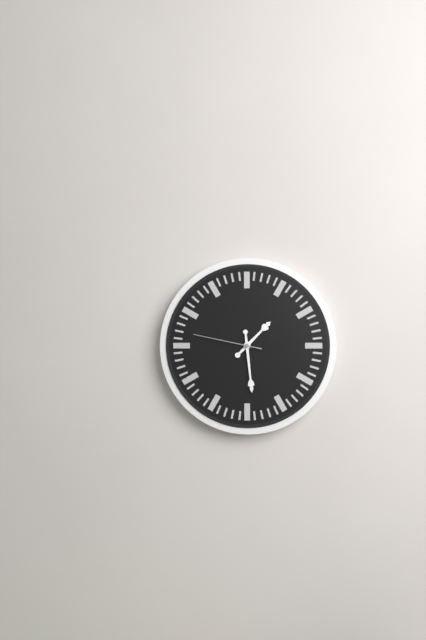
1 h 29 min 47 s
